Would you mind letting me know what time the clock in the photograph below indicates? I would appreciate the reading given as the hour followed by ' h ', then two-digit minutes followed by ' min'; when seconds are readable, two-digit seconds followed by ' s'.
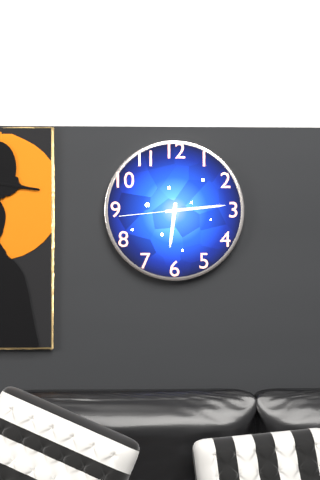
6 h 14 min 44 s
